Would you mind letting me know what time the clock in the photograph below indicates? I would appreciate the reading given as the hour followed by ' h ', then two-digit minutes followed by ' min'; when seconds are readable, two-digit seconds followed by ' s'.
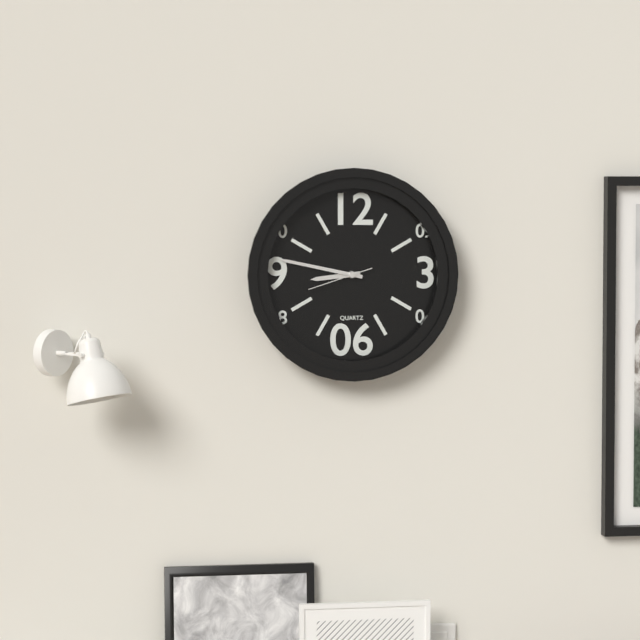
8 h 47 min 42 s
